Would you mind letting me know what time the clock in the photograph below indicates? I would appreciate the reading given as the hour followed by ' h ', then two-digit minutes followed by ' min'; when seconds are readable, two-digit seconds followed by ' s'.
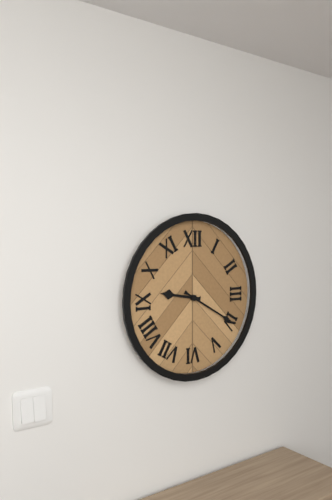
9 h 20 min
